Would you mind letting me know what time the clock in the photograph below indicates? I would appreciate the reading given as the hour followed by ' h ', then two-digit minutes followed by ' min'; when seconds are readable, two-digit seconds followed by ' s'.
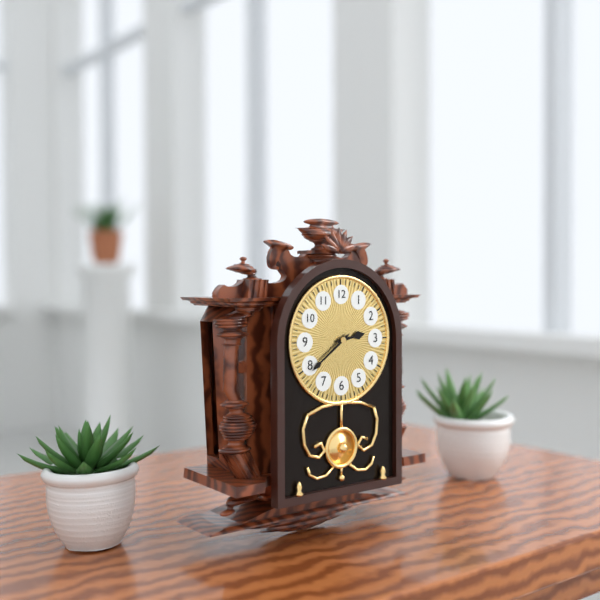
2 h 39 min
